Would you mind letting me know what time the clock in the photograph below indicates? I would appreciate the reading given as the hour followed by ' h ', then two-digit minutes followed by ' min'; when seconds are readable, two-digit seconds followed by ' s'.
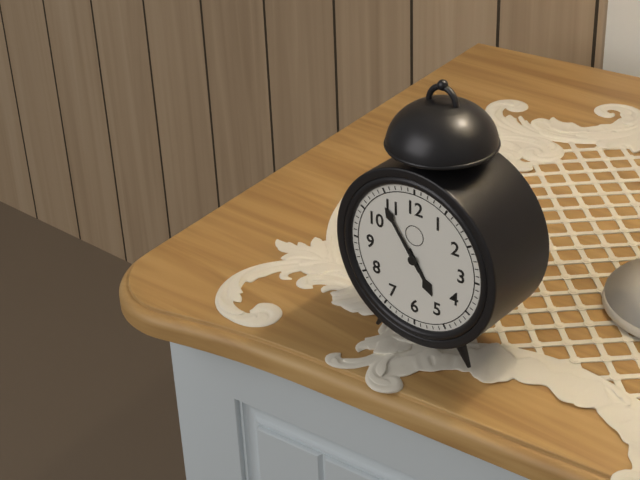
4 h 54 min
